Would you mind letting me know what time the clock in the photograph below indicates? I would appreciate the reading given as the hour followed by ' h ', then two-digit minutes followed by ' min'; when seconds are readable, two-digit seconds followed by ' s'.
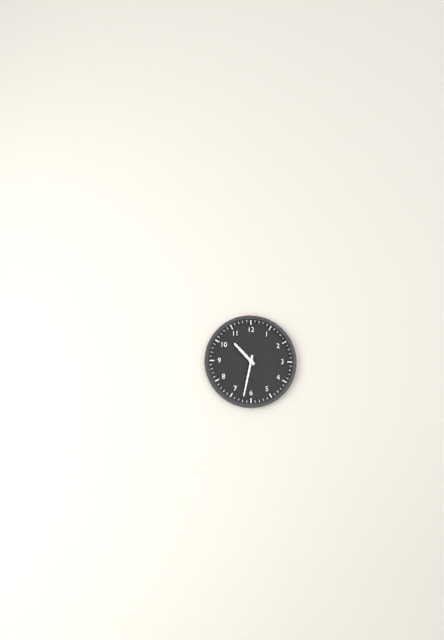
10 h 32 min
